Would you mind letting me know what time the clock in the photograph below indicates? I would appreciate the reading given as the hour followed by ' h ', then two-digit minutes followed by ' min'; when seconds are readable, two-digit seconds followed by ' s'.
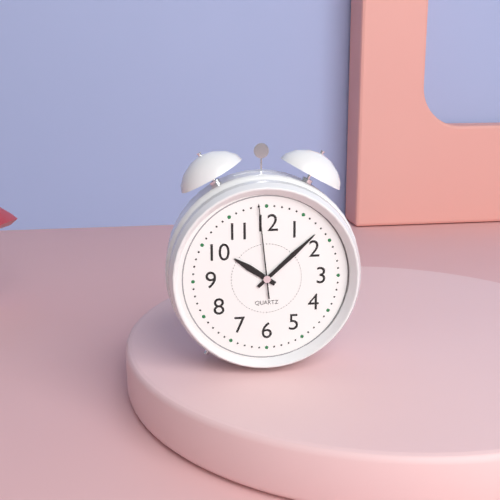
10 h 08 min 59 s
